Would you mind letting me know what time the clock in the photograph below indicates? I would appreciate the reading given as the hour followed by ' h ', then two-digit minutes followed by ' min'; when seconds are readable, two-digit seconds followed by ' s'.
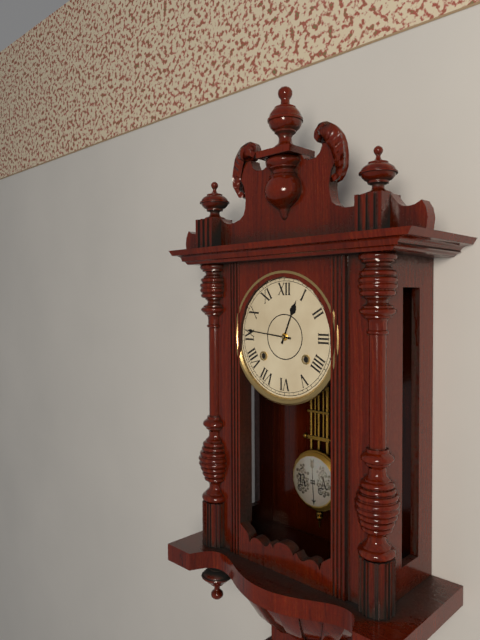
12 h 46 min
